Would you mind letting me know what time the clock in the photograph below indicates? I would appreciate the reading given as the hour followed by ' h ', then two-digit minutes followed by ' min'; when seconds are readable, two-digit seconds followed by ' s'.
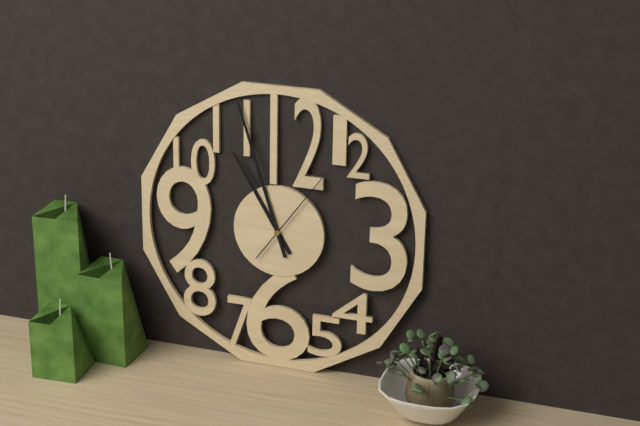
10 h 57 min 06 s
